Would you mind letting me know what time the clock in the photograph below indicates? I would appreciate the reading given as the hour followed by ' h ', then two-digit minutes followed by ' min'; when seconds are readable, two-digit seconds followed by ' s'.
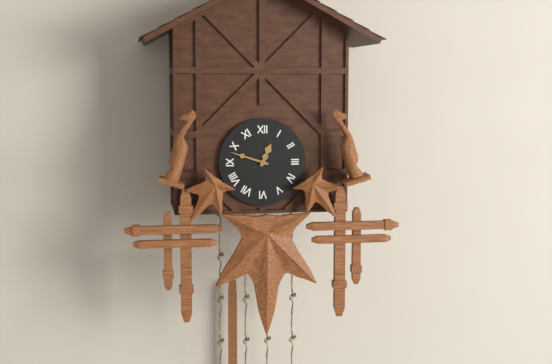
12 h 48 min
